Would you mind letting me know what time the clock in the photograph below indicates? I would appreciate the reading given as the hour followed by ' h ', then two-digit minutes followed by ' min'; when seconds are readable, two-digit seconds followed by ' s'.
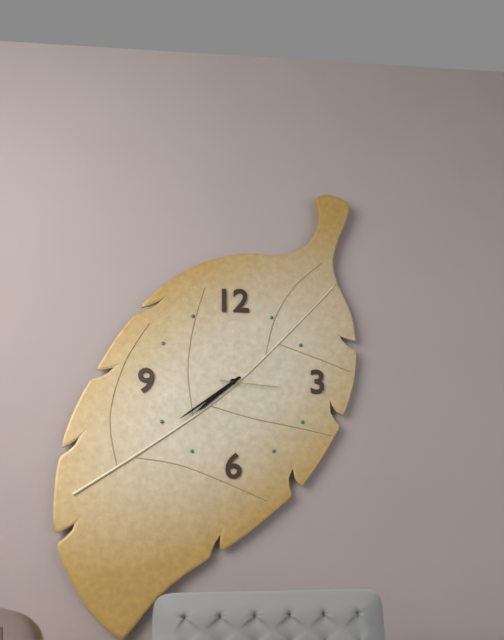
7 h 39 min 16 s
